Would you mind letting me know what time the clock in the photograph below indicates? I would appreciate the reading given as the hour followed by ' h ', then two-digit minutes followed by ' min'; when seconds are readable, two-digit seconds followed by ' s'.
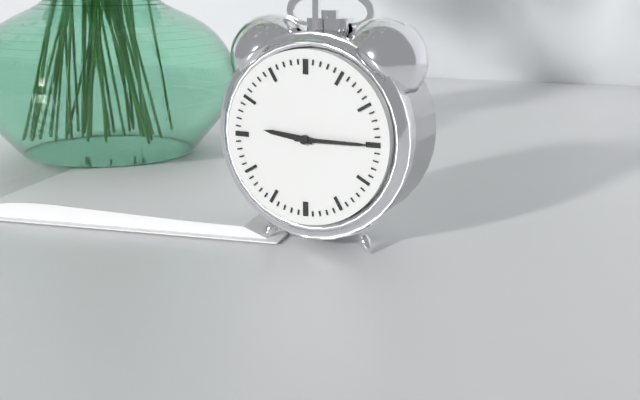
9 h 15 min
